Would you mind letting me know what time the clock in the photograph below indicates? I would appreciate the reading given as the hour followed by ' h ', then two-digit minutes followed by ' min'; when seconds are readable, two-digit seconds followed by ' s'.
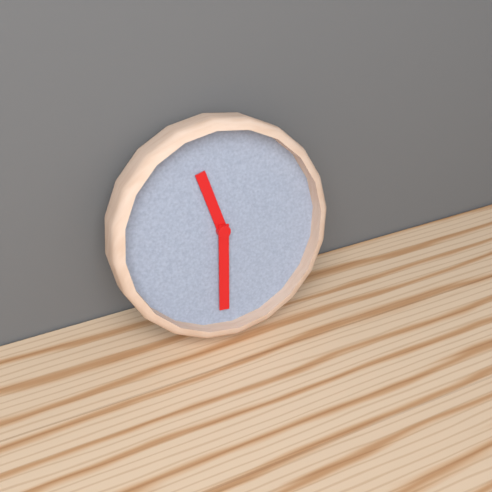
11 h 31 min
